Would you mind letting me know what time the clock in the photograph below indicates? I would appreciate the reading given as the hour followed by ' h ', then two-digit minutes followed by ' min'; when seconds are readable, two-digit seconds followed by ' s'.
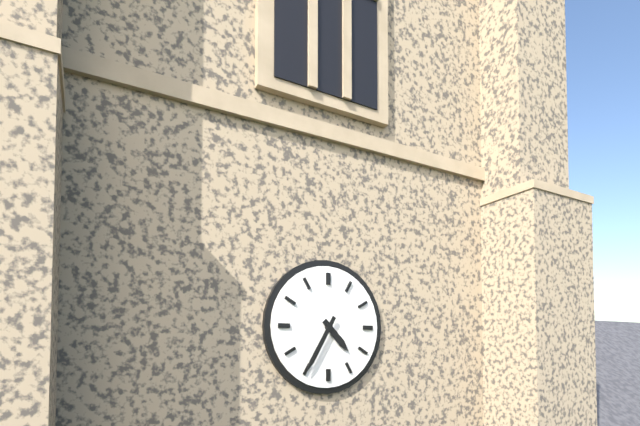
4 h 35 min
